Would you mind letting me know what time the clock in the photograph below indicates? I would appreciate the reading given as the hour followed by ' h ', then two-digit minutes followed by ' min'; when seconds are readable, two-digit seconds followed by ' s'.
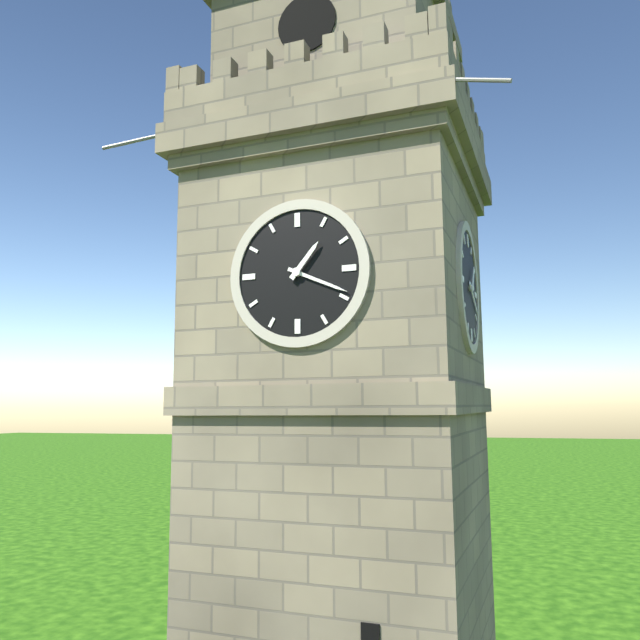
1 h 19 min
